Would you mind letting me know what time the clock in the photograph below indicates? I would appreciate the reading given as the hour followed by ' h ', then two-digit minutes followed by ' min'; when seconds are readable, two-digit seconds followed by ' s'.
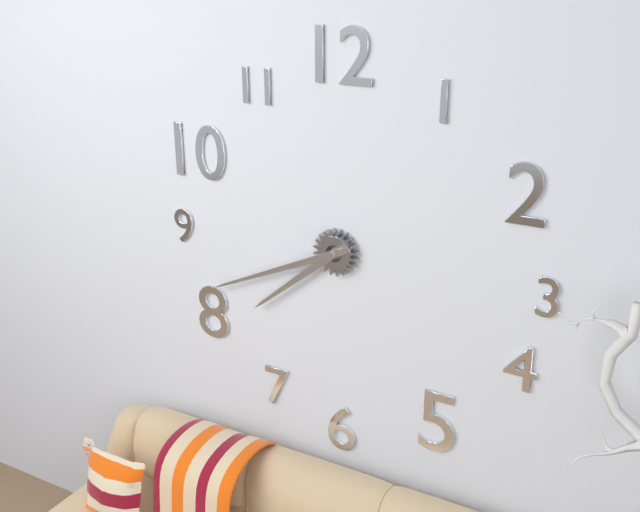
7 h 41 min
